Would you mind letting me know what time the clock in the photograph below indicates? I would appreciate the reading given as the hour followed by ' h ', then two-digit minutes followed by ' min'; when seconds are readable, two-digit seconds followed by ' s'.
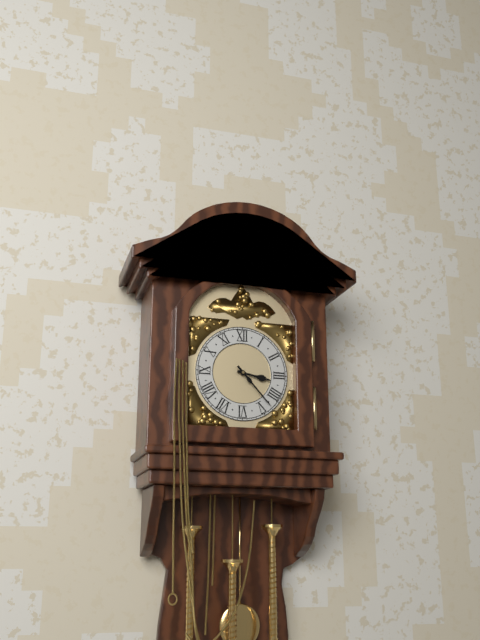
3 h 23 min
